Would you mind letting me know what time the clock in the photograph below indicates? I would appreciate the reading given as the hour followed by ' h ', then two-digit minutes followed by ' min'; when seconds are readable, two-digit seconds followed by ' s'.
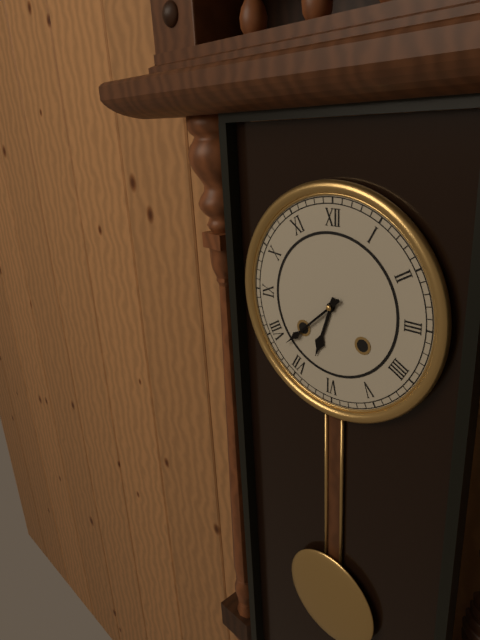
6 h 38 min
